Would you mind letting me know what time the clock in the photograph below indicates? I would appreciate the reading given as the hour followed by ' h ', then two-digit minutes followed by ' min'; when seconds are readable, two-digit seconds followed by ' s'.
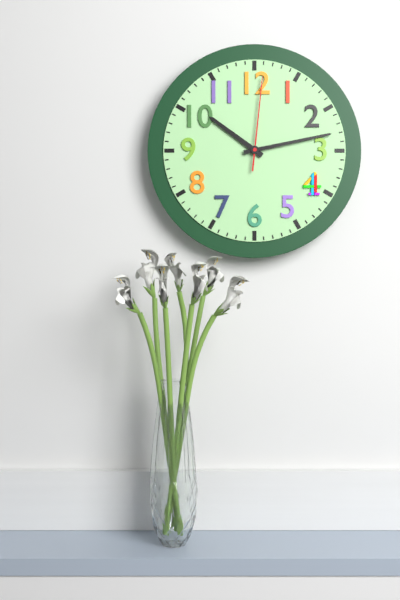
10 h 13 min 01 s
